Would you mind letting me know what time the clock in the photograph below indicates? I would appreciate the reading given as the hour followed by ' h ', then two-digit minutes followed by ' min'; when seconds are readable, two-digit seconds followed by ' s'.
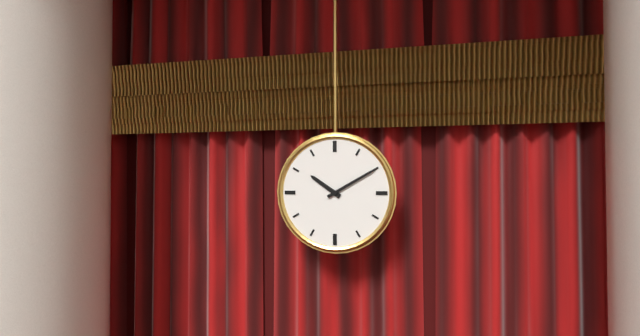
10 h 10 min
